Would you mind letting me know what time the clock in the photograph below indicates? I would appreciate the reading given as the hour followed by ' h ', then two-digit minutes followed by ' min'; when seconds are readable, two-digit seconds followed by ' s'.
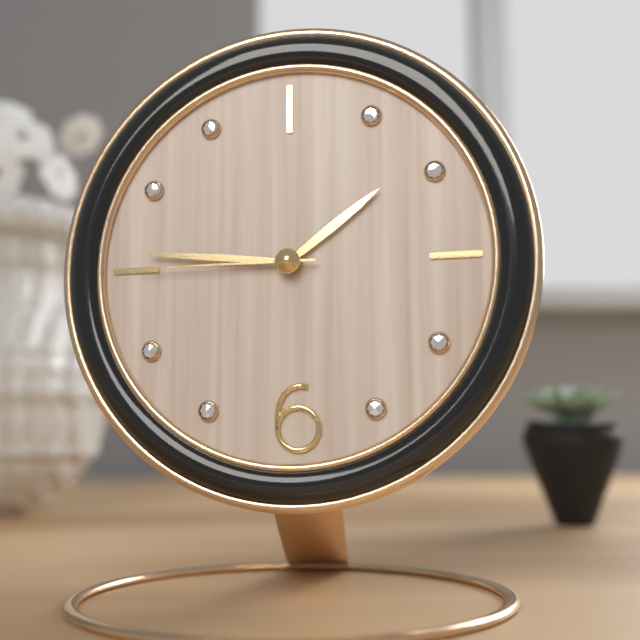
1 h 46 min 45 s
